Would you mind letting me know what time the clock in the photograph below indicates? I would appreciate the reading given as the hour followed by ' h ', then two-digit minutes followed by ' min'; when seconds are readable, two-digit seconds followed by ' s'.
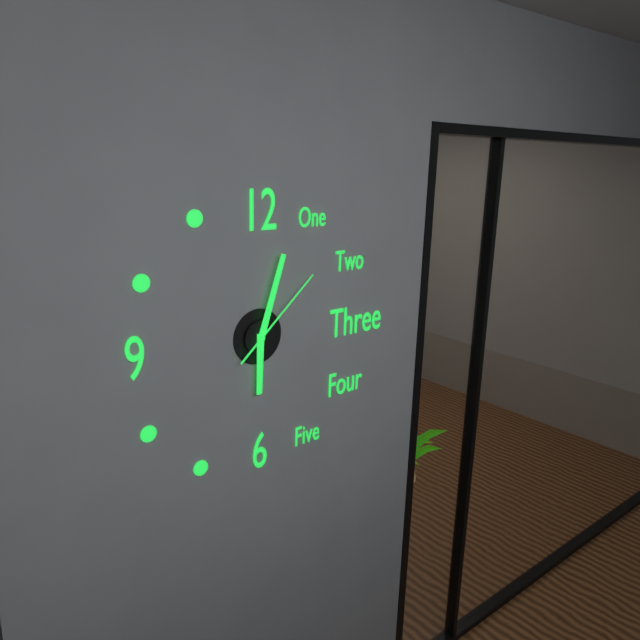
6 h 03 min 08 s
